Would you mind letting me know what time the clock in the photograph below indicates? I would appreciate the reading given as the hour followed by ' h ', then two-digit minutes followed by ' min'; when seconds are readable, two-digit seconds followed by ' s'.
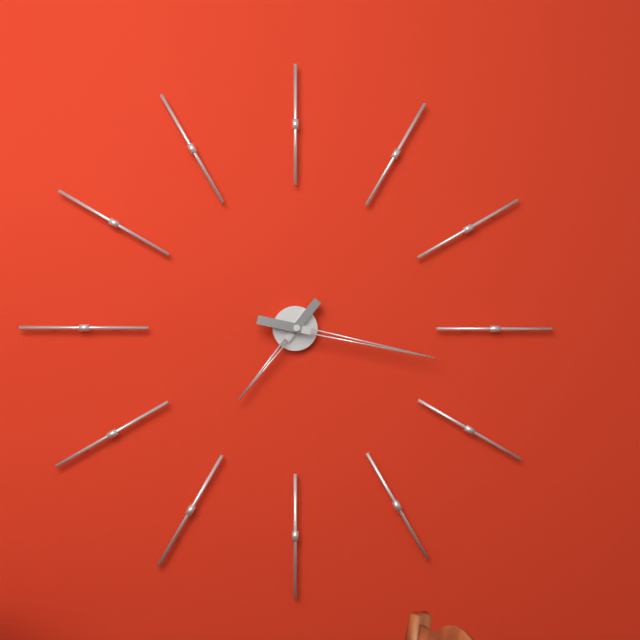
7 h 17 min
